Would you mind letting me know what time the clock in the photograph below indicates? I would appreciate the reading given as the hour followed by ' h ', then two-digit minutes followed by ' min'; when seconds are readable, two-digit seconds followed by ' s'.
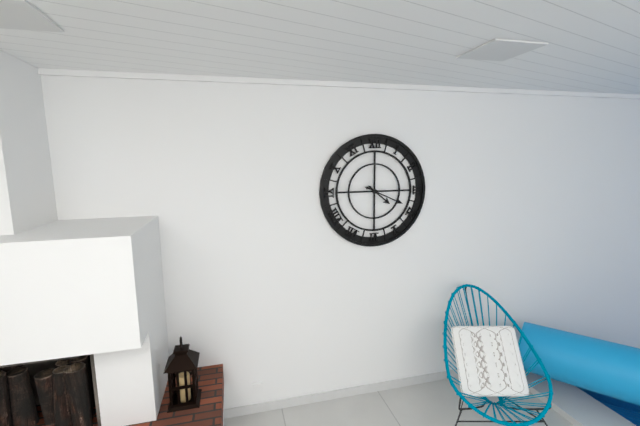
4 h 19 min
